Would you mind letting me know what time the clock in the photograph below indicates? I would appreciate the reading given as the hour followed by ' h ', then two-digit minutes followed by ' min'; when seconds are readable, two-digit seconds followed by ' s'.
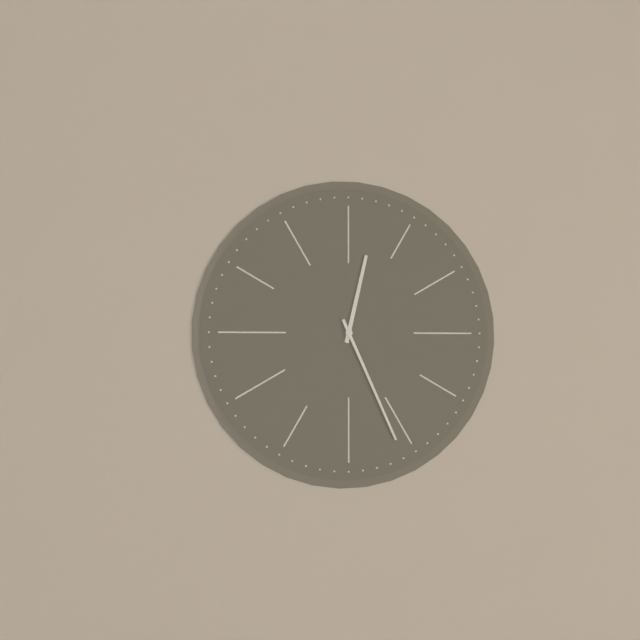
12 h 26 min
